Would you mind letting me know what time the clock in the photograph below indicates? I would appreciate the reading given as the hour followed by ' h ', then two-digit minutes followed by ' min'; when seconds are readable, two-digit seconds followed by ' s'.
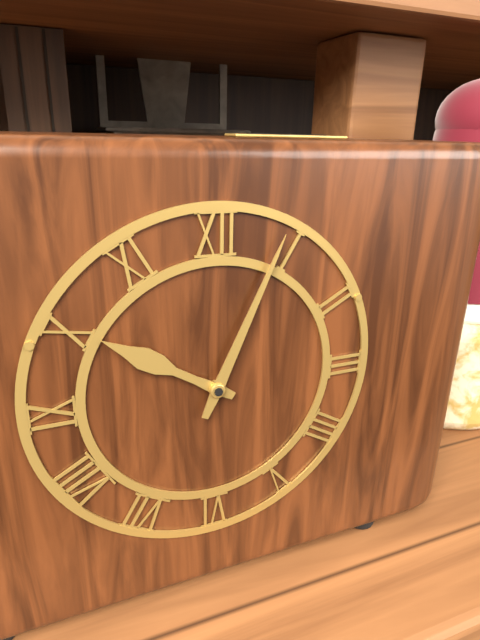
10 h 04 min
